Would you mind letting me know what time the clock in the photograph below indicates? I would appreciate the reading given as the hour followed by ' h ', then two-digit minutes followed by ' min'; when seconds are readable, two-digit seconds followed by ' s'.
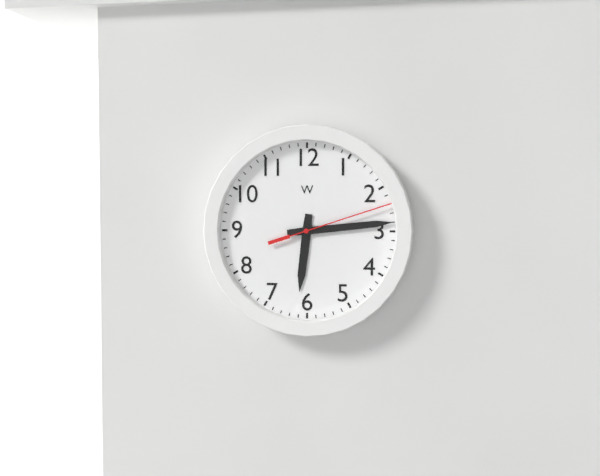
6 h 14 min 12 s
